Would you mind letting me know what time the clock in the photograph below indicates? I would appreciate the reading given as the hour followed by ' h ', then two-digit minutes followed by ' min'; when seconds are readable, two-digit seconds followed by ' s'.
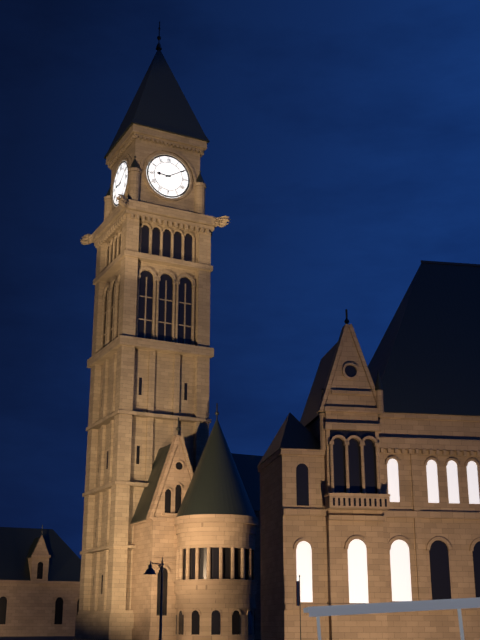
9 h 10 min
